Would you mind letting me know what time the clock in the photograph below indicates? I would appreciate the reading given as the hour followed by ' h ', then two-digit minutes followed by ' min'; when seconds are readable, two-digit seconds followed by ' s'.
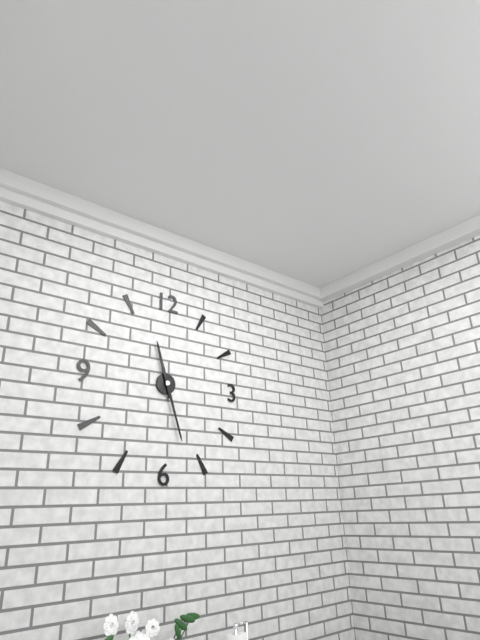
11 h 27 min
